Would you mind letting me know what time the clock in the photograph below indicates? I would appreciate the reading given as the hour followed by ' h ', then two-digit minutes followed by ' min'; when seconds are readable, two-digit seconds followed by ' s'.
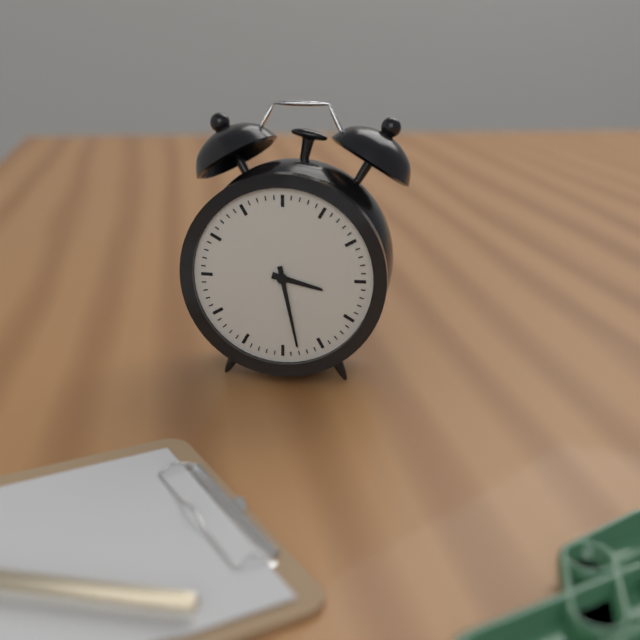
3 h 28 min
